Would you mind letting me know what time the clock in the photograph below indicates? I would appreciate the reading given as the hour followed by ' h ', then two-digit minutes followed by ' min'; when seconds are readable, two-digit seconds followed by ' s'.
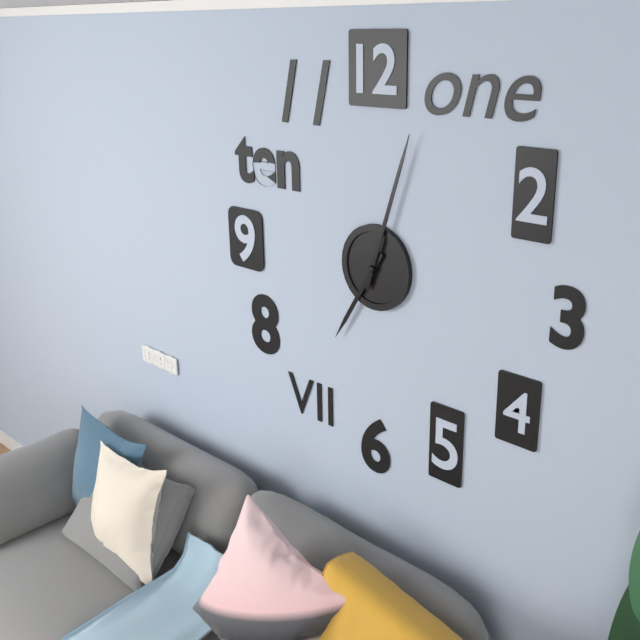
7 h 03 min
